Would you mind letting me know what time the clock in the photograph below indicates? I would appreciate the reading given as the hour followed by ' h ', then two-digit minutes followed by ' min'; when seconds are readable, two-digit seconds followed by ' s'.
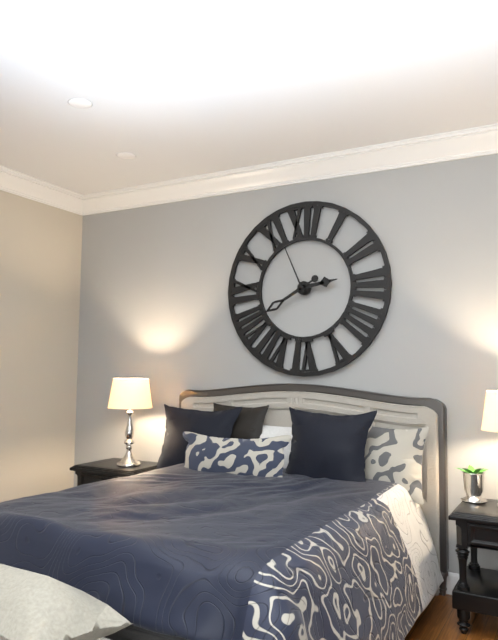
2 h 40 min 56 s
